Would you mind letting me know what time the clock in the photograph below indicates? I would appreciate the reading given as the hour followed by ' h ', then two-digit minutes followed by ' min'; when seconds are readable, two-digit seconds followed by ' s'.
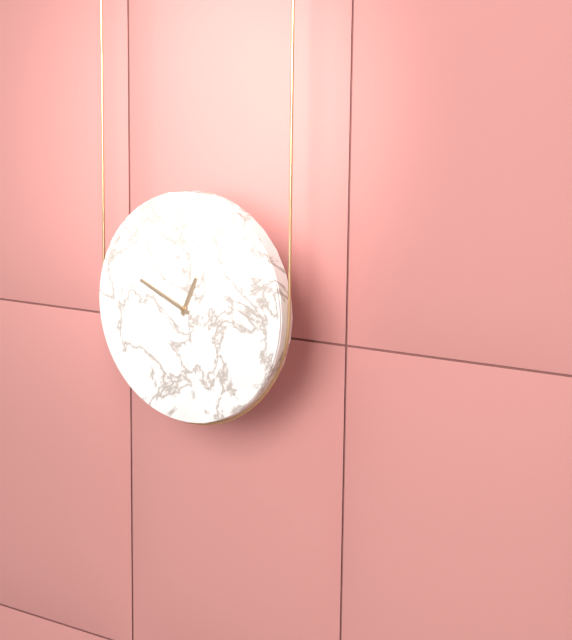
12 h 49 min
